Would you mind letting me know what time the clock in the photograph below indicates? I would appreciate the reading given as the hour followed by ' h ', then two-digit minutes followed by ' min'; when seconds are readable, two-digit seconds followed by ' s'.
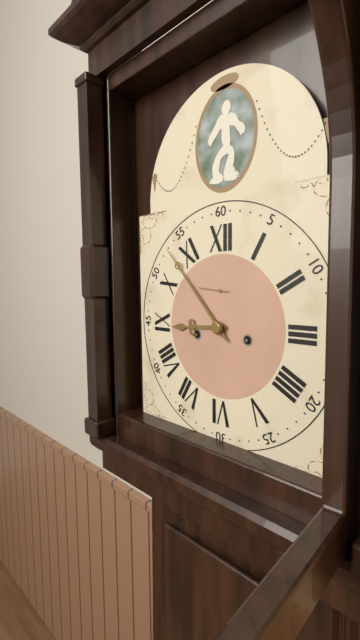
8 h 53 min
